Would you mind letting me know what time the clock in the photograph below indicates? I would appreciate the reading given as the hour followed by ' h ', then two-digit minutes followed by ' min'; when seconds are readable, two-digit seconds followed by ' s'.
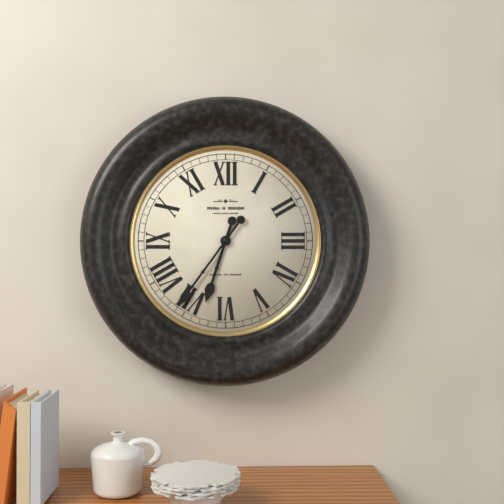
6 h 36 min
